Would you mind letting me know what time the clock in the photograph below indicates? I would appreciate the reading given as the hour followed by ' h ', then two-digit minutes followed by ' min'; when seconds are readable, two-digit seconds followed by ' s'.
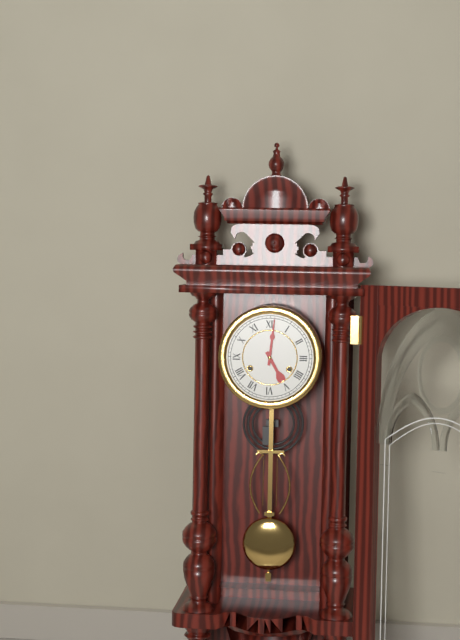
5 h 01 min
